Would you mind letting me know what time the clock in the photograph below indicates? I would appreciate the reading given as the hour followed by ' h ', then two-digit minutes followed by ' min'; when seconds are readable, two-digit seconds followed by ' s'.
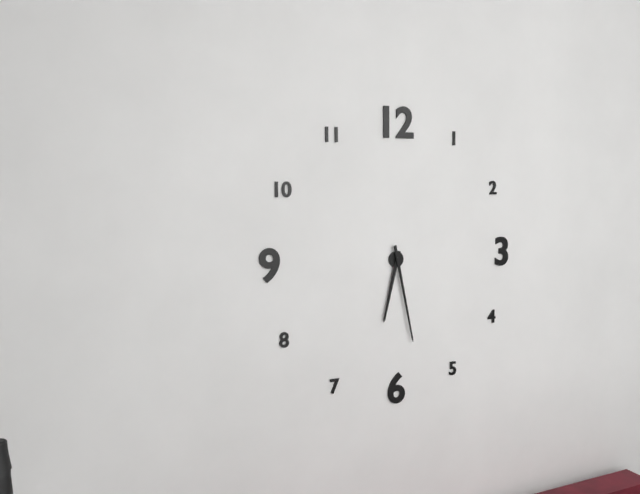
6 h 28 min
